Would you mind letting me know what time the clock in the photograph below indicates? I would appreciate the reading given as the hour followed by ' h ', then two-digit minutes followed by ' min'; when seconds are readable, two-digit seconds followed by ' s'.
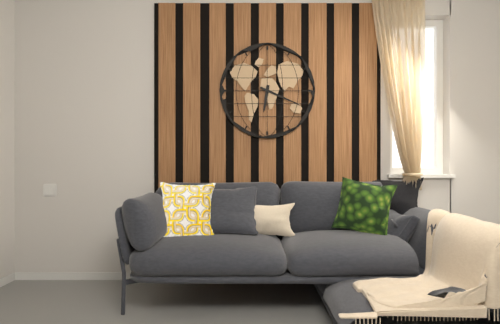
6 h 19 min
